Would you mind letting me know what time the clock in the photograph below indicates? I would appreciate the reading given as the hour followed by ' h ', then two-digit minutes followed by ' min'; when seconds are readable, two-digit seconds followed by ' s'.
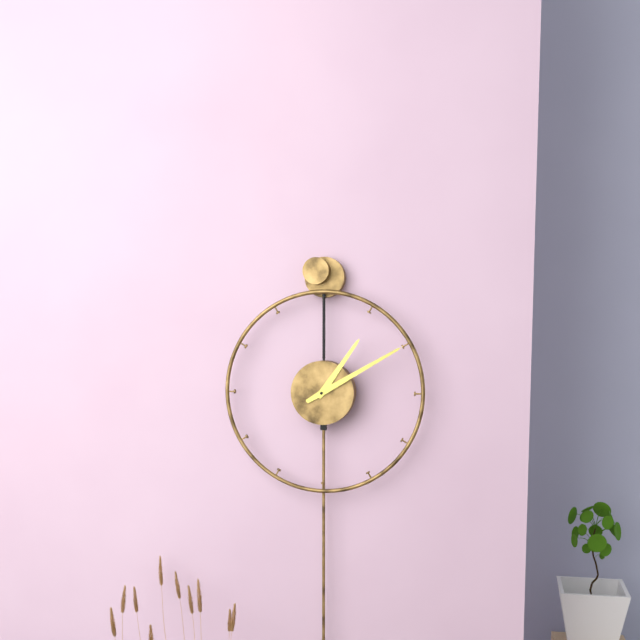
1 h 10 min
